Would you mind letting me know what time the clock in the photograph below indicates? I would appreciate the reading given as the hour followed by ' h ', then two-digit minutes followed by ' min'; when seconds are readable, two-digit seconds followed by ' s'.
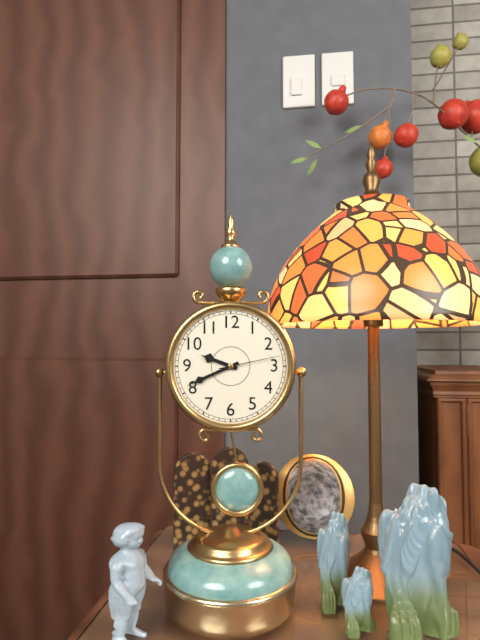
9 h 41 min 13 s
